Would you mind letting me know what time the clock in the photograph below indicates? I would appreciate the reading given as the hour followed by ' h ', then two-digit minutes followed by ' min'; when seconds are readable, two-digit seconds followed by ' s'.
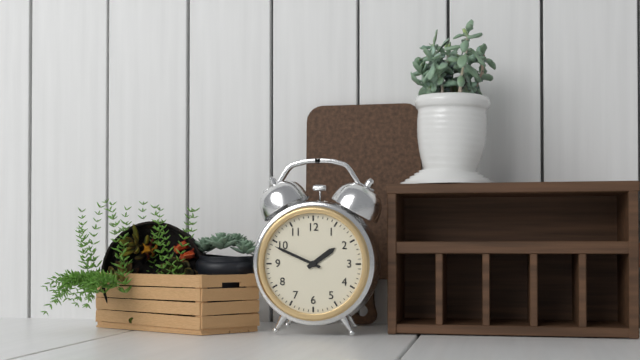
1 h 49 min
